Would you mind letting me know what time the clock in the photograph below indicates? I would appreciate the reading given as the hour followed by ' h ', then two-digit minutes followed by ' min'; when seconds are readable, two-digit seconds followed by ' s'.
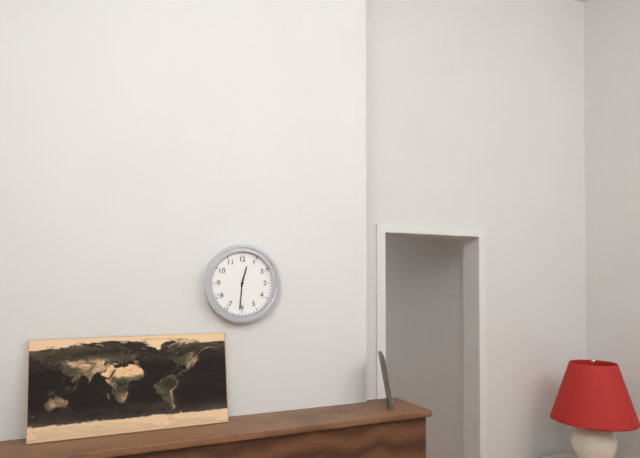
12 h 31 min
